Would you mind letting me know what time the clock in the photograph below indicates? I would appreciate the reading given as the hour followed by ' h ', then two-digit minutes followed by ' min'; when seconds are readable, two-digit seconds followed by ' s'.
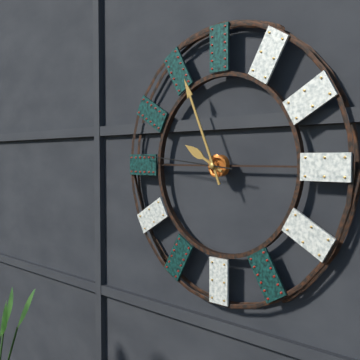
9 h 56 min 46 s
